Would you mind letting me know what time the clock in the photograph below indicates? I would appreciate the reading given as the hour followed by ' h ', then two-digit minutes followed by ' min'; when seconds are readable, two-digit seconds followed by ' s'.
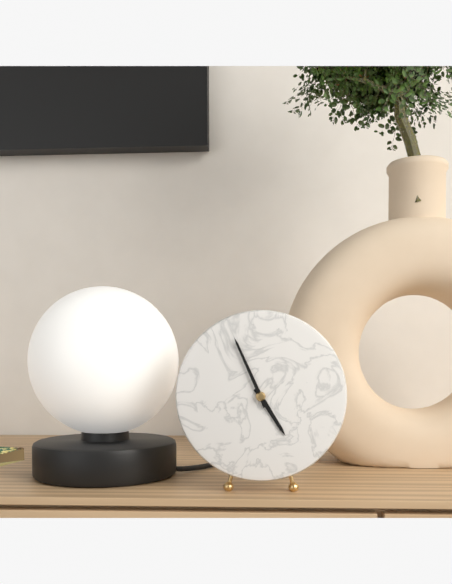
4 h 56 min
